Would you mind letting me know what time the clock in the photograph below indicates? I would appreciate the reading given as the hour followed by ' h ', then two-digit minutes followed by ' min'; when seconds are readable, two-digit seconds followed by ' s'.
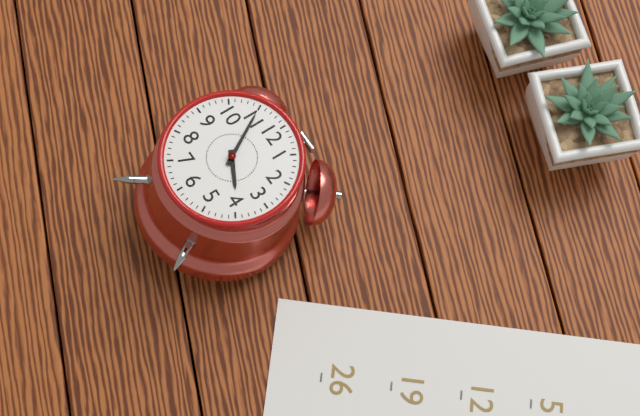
3 h 55 min
